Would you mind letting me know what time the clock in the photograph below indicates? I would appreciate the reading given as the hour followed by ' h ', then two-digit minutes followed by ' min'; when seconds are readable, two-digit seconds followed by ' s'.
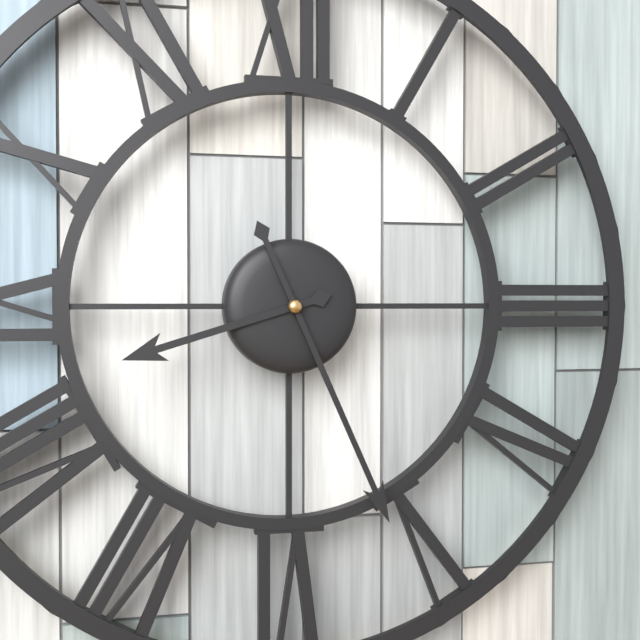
8 h 26 min
